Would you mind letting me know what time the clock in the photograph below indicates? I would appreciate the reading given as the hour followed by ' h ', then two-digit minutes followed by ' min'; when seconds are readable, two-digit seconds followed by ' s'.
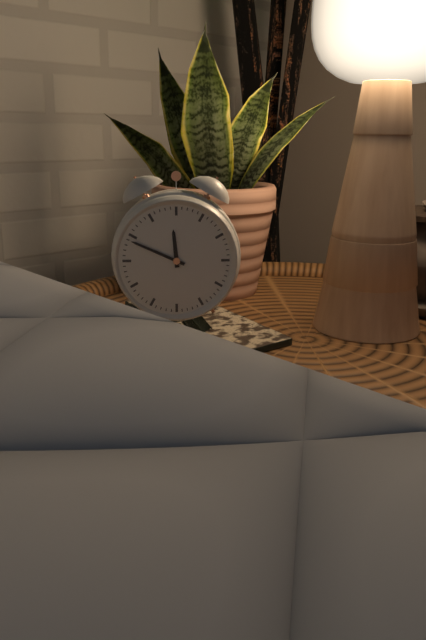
11 h 49 min
